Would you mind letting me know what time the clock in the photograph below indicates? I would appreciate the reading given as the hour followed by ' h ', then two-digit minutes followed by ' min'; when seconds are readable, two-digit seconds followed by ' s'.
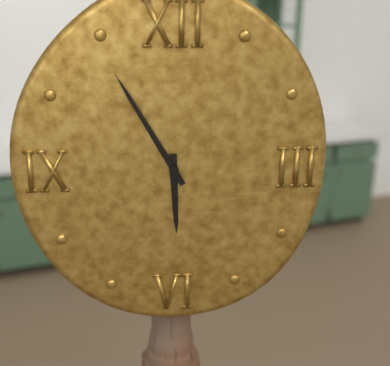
5 h 55 min
